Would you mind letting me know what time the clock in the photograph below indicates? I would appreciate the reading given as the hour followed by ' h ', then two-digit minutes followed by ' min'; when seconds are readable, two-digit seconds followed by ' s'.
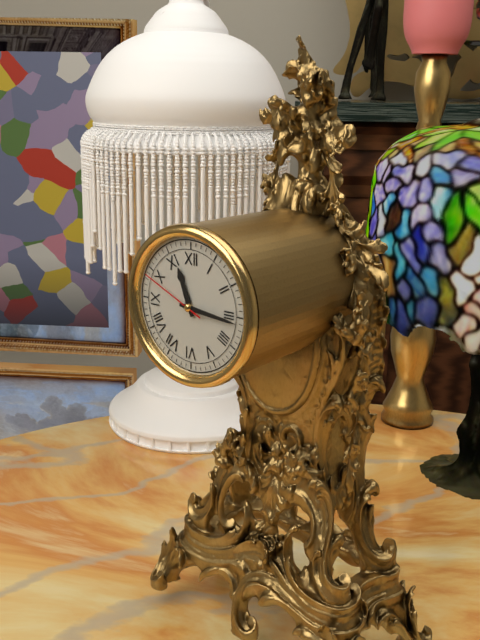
11 h 16 min 49 s
